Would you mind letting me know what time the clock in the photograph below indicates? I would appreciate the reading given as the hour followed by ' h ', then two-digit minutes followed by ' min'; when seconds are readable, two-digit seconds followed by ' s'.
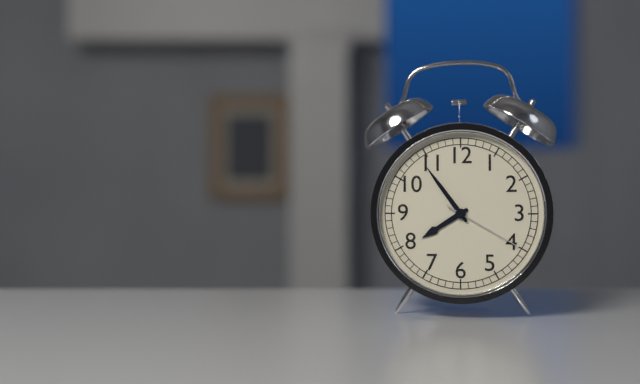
7 h 54 min 20 s
